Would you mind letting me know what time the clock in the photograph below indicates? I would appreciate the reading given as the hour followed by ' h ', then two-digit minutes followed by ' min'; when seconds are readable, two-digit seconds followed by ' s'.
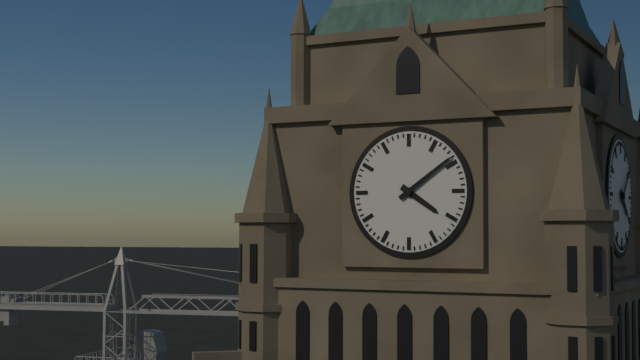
4 h 09 min
